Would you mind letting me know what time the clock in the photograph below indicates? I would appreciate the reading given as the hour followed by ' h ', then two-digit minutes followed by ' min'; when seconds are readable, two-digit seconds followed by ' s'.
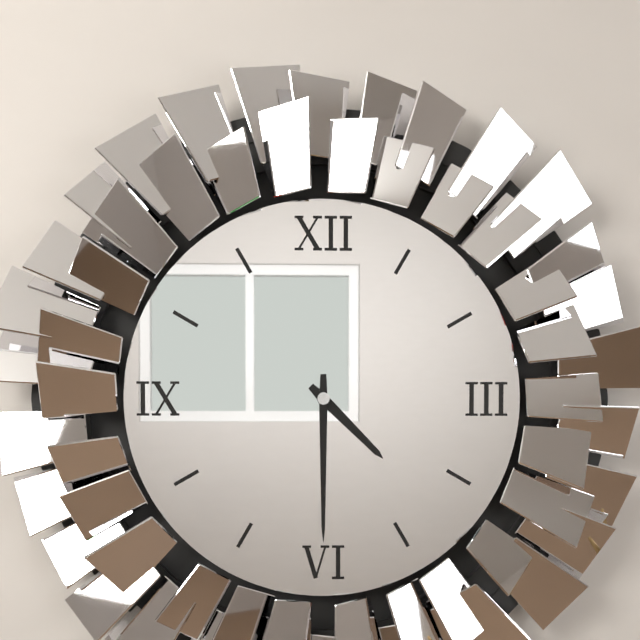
4 h 30 min
